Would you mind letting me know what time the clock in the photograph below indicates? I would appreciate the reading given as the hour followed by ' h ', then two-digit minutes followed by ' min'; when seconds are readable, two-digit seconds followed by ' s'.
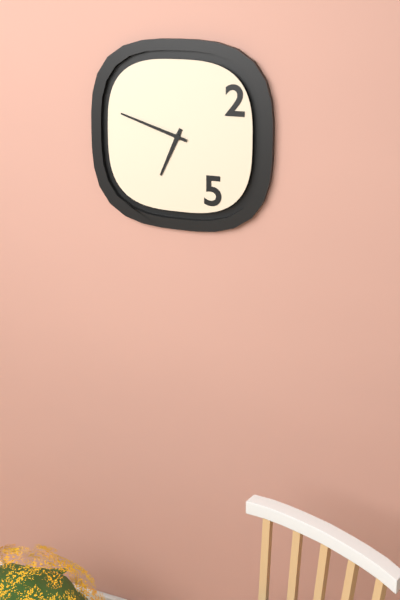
6 h 48 min
